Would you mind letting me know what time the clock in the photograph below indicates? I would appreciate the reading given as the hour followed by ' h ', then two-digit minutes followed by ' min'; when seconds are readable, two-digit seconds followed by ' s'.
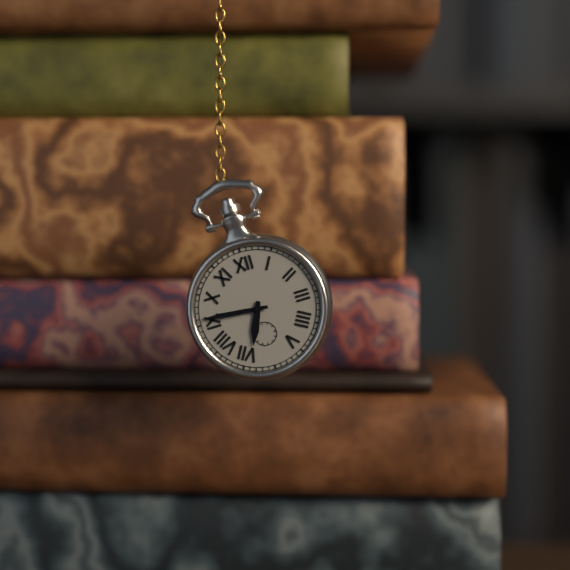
6 h 46 min
